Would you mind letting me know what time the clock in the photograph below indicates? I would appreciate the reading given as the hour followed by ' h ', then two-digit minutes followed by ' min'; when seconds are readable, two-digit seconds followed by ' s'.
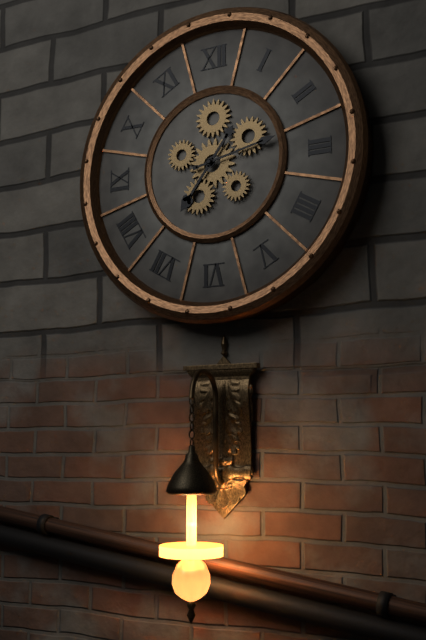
7 h 13 min
